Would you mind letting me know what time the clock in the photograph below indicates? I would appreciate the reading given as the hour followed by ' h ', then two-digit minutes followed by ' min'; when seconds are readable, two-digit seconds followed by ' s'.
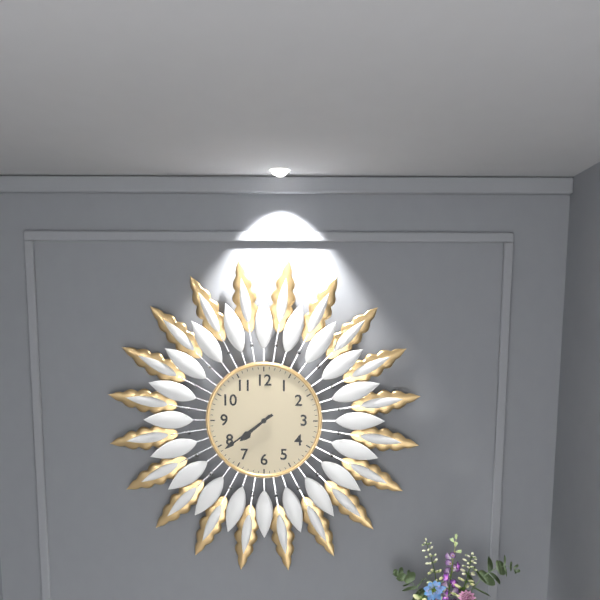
7 h 39 min
